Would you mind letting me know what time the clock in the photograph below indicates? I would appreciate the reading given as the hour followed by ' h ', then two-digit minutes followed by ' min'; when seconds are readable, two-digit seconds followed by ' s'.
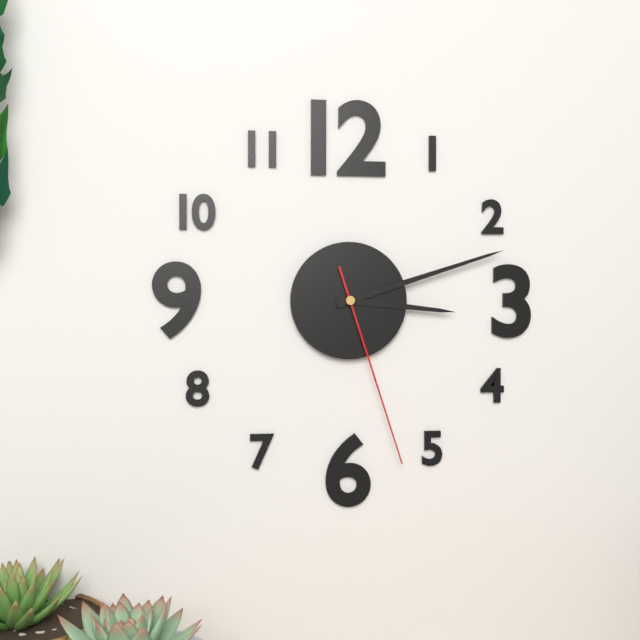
3 h 12 min 27 s
